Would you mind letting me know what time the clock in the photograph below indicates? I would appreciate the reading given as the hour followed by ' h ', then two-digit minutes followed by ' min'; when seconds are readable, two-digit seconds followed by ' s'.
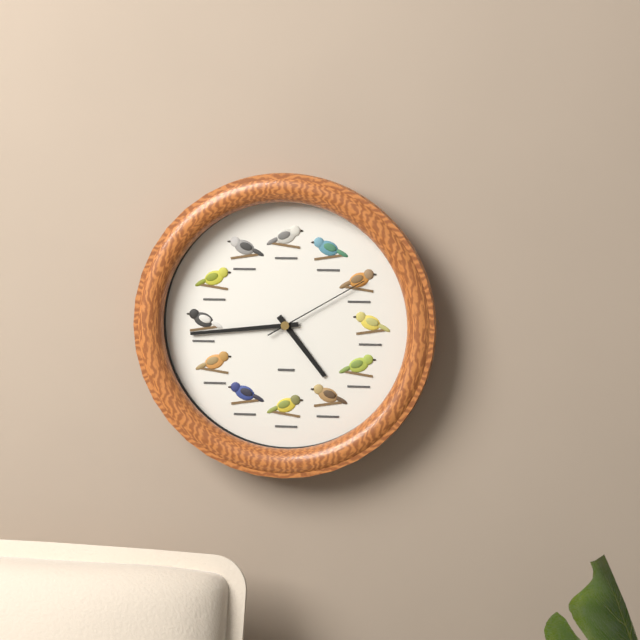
4 h 44 min 10 s
